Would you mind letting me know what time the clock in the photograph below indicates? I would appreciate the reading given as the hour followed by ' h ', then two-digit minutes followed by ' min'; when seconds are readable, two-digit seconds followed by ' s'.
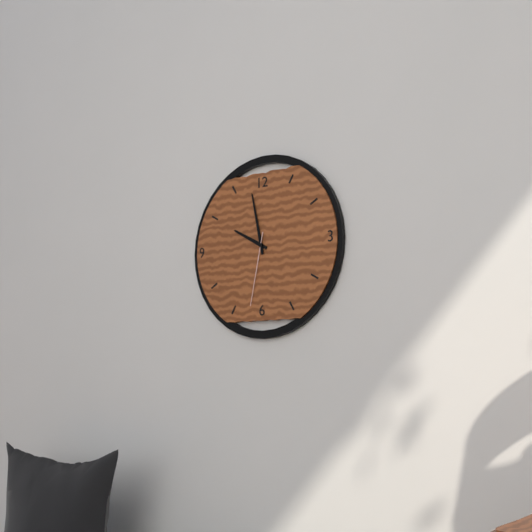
9 h 58 min 32 s
